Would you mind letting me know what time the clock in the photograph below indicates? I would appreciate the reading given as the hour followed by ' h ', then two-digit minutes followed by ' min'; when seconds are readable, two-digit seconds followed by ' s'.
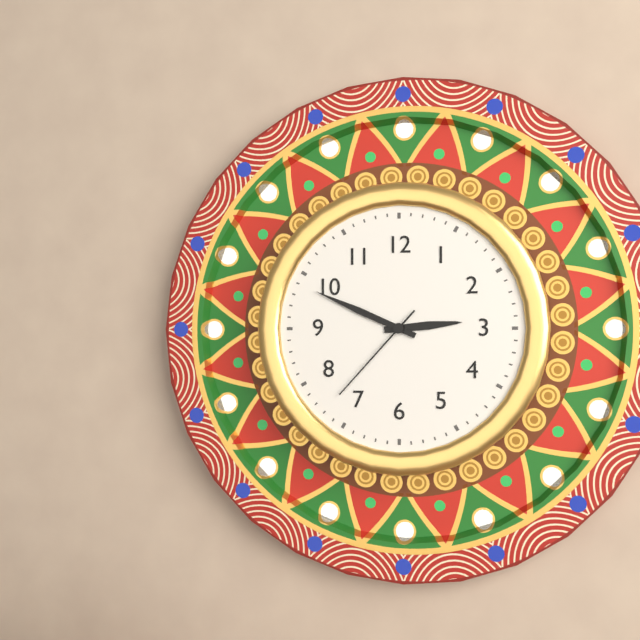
2 h 49 min 37 s
